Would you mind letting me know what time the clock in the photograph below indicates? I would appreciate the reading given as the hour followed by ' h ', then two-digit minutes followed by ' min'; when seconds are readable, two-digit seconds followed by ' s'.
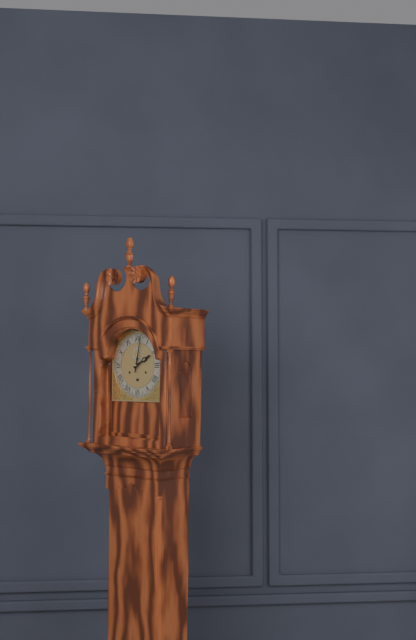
2 h 02 min
